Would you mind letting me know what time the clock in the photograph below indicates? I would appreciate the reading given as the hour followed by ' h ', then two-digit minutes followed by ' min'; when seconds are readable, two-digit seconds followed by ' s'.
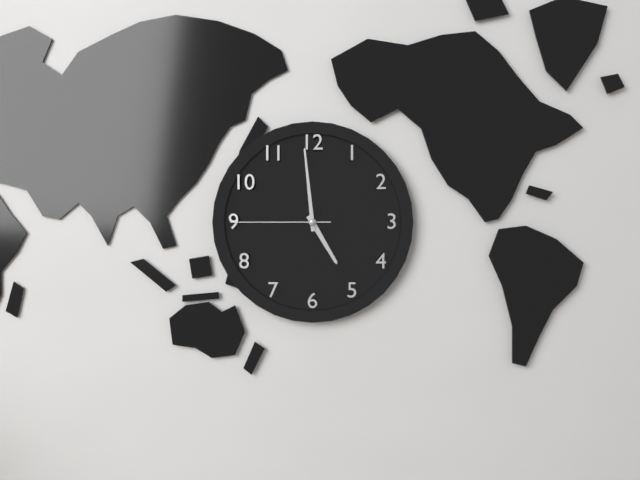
4 h 59 min 45 s
